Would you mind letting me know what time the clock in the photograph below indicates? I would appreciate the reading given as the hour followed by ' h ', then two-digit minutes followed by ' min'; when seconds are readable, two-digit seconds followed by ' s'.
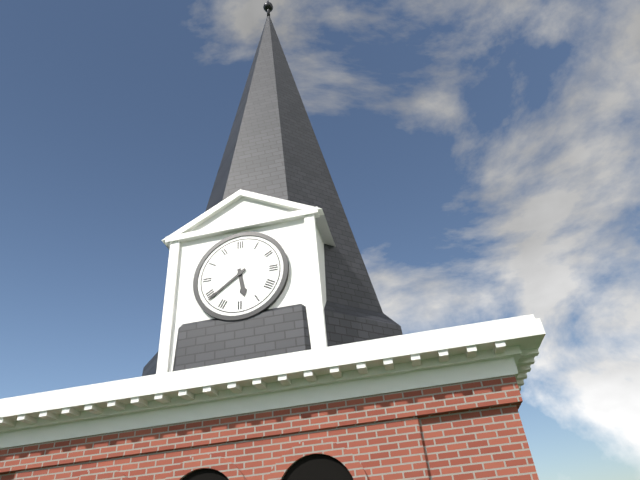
5 h 39 min
